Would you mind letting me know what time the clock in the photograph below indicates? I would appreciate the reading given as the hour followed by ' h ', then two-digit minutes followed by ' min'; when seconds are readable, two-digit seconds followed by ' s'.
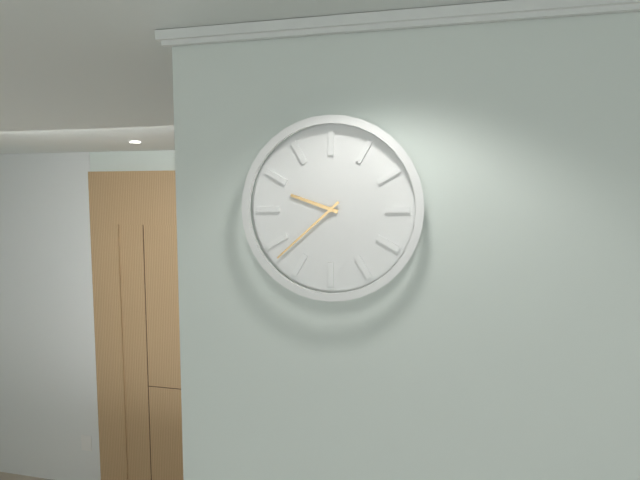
9 h 38 min
